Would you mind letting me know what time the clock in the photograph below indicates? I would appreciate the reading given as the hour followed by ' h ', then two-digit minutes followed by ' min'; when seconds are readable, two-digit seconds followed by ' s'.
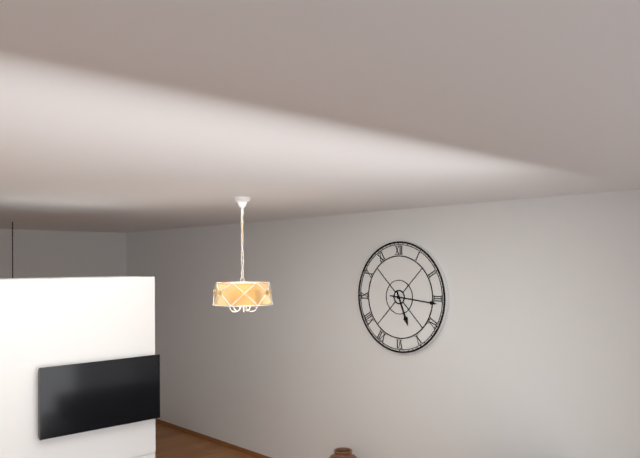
5 h 16 min
